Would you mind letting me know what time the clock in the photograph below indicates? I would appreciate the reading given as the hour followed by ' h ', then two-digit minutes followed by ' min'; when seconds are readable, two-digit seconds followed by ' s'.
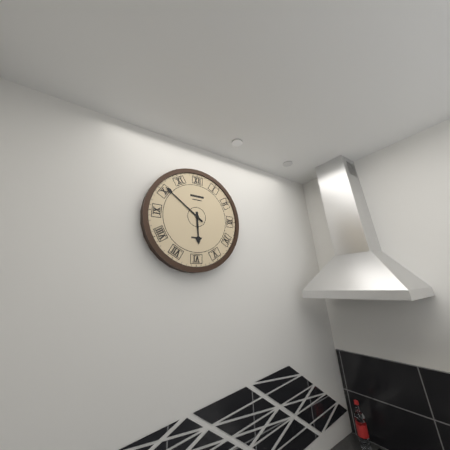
5 h 51 min
